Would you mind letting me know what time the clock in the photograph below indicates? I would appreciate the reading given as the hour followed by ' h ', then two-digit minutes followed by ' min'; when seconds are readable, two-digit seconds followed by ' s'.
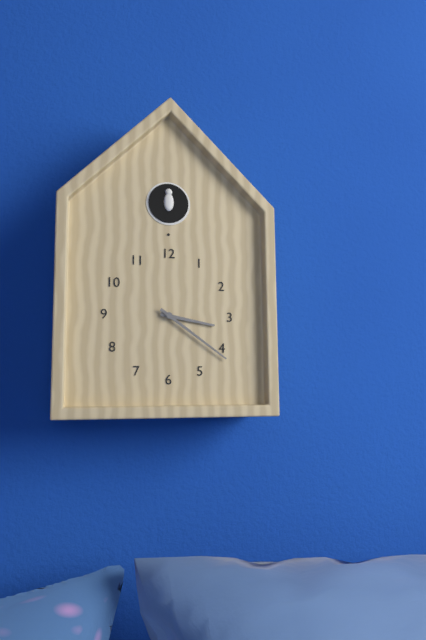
3 h 21 min
